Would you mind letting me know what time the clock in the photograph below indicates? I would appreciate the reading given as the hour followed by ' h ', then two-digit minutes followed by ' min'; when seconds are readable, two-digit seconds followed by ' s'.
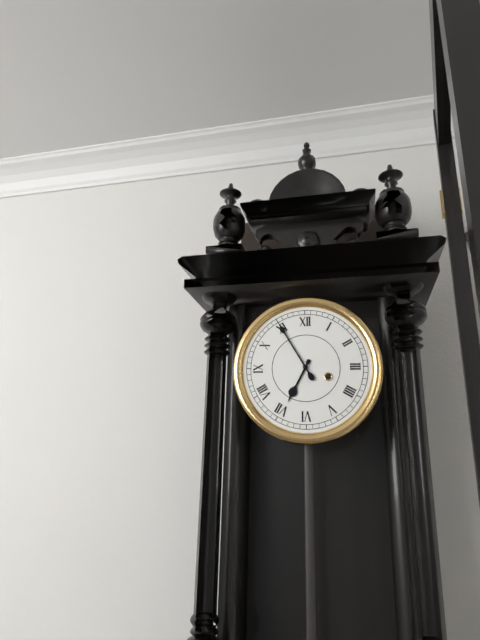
6 h 55 min
